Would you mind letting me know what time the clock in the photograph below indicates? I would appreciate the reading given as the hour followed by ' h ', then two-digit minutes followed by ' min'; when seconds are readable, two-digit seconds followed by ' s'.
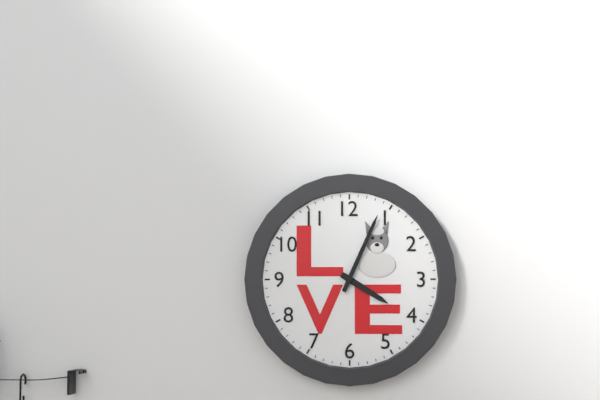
4 h 04 min
